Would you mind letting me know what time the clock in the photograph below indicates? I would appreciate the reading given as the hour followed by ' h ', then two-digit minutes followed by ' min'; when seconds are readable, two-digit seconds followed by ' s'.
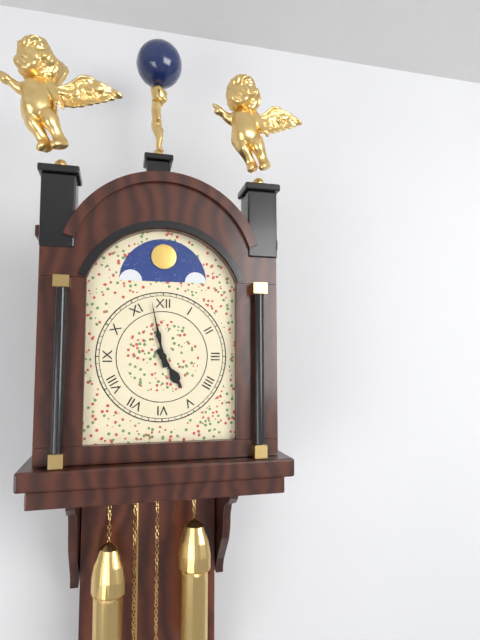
4 h 58 min
